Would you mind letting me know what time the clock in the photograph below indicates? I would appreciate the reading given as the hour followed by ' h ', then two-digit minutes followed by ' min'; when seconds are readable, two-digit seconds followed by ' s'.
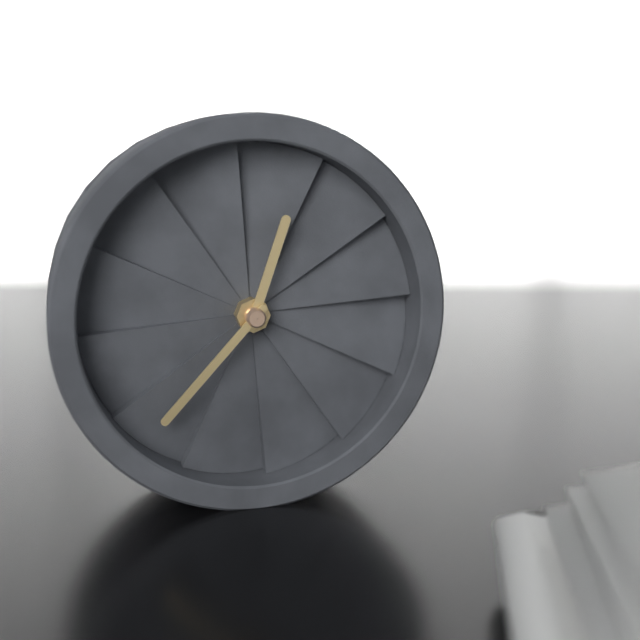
12 h 37 min
